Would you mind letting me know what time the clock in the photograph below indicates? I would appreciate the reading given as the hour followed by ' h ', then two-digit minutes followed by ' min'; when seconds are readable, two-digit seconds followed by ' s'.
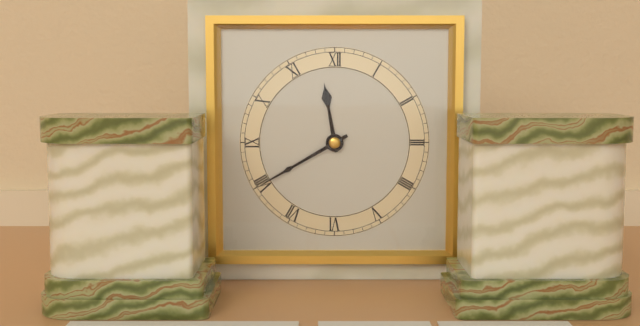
11 h 40 min
